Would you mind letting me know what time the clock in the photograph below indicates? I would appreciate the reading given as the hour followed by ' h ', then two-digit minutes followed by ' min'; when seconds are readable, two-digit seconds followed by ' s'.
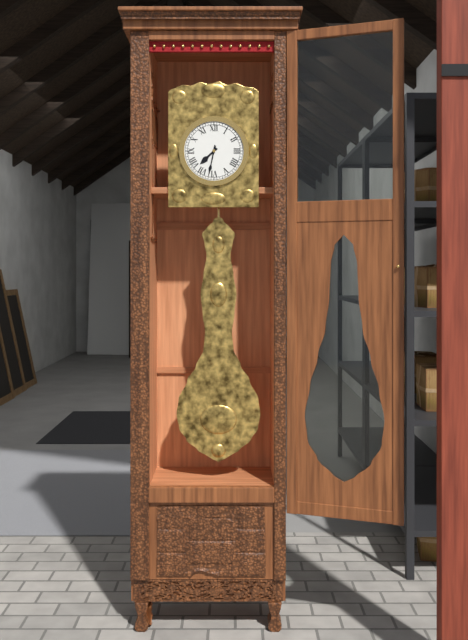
7 h 32 min
